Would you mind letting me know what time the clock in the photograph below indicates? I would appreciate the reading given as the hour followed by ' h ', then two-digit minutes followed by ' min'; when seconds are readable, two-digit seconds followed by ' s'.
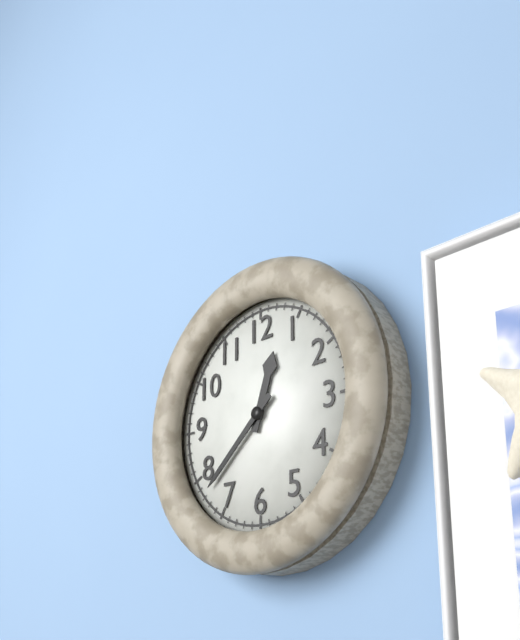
12 h 38 min
